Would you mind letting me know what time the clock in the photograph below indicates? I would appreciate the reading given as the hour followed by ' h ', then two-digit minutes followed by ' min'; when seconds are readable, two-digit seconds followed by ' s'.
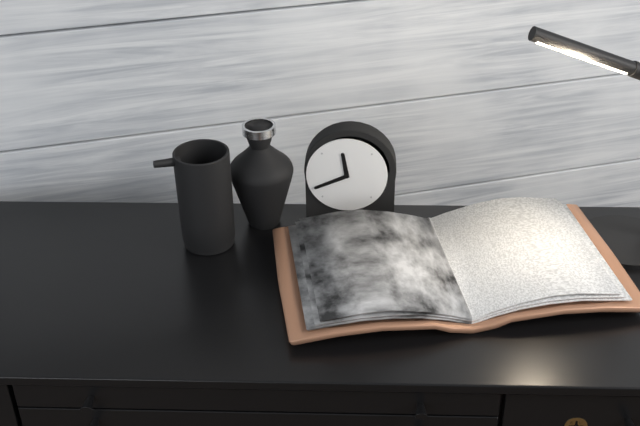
11 h 41 min
